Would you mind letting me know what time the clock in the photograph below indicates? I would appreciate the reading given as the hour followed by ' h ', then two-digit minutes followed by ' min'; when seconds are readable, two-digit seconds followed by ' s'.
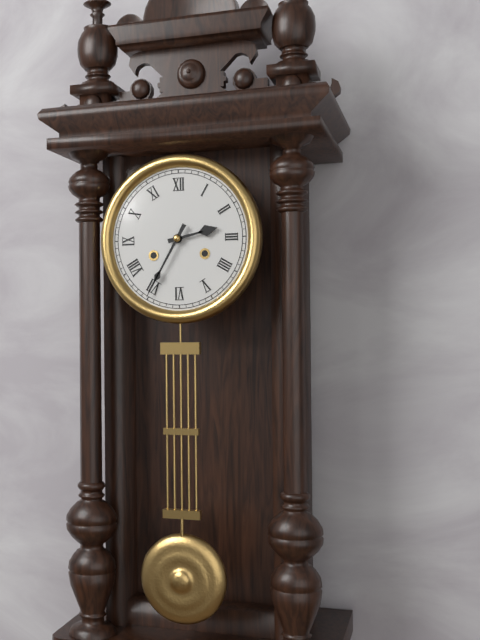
2 h 35 min
